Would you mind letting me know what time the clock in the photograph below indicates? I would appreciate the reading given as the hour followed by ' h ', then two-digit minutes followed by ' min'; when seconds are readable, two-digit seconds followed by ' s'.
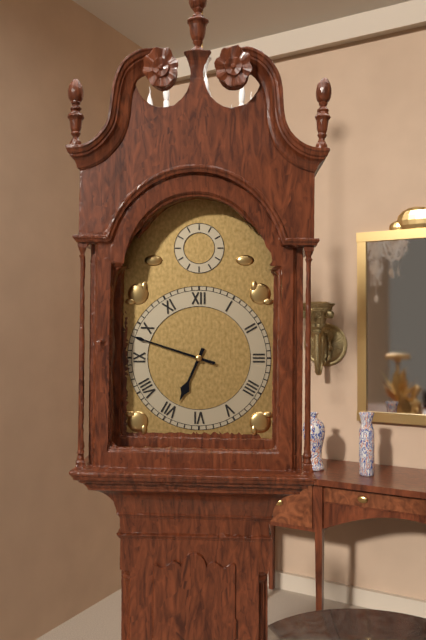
6 h 48 min
